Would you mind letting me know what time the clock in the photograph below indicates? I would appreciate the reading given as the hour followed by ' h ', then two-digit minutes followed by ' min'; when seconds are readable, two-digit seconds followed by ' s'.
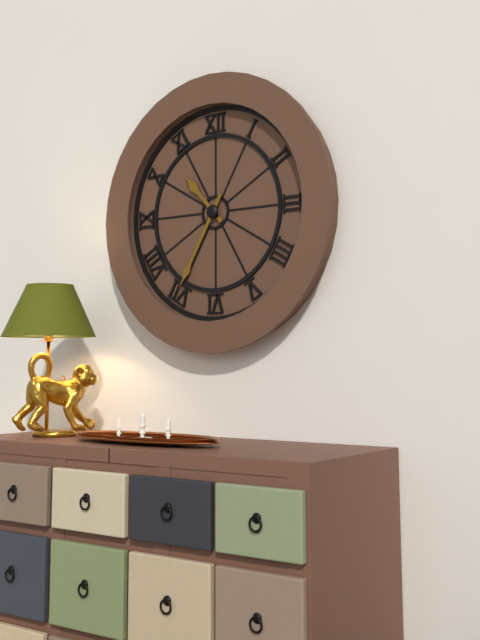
10 h 35 min
